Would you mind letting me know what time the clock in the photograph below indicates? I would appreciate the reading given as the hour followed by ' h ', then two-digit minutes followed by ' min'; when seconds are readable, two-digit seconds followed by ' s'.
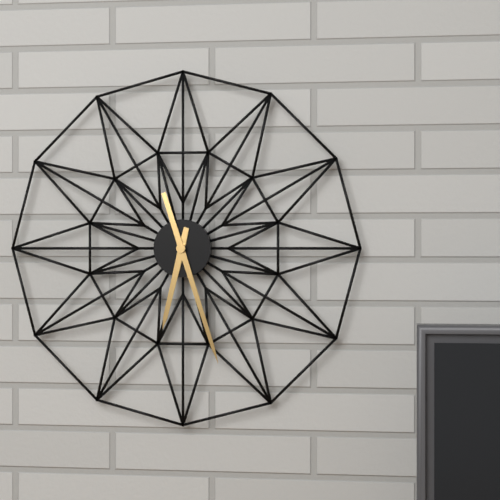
6 h 27 min
